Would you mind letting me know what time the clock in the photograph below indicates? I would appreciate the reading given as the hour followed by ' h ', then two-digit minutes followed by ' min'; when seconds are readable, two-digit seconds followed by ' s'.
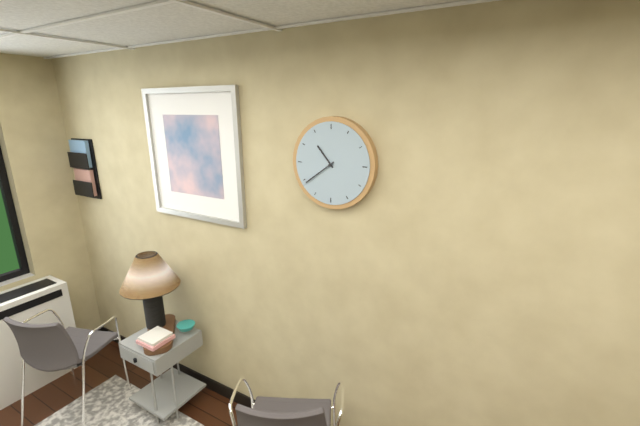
10 h 39 min
